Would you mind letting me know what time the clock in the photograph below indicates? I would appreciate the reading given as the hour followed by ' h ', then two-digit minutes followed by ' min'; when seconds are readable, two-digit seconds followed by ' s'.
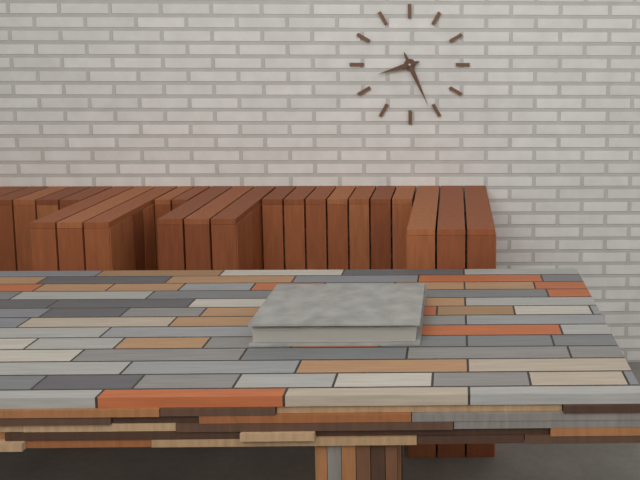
8 h 26 min
